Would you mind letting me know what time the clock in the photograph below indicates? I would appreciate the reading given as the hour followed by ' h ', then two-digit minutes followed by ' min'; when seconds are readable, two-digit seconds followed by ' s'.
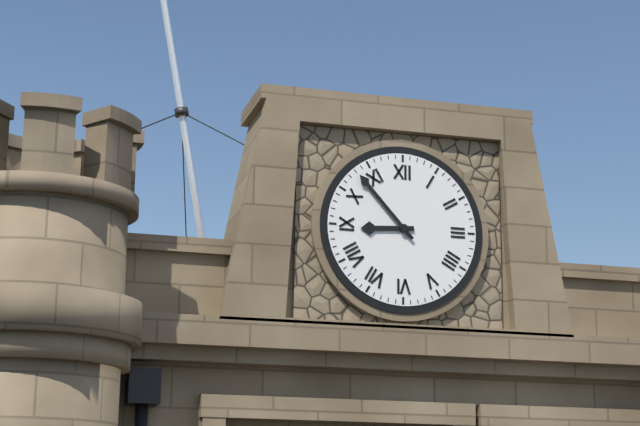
8 h 53 min
